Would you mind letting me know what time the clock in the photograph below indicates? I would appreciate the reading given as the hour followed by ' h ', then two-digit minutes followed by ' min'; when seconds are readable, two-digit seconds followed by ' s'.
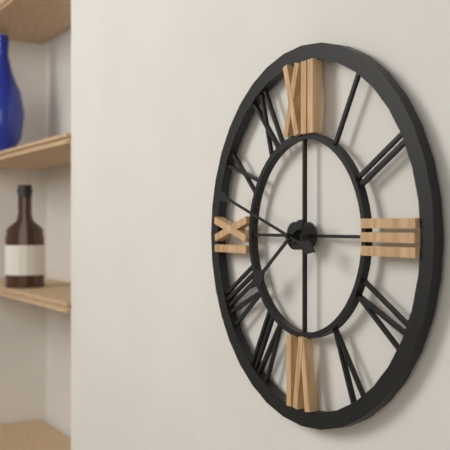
7 h 48 min
